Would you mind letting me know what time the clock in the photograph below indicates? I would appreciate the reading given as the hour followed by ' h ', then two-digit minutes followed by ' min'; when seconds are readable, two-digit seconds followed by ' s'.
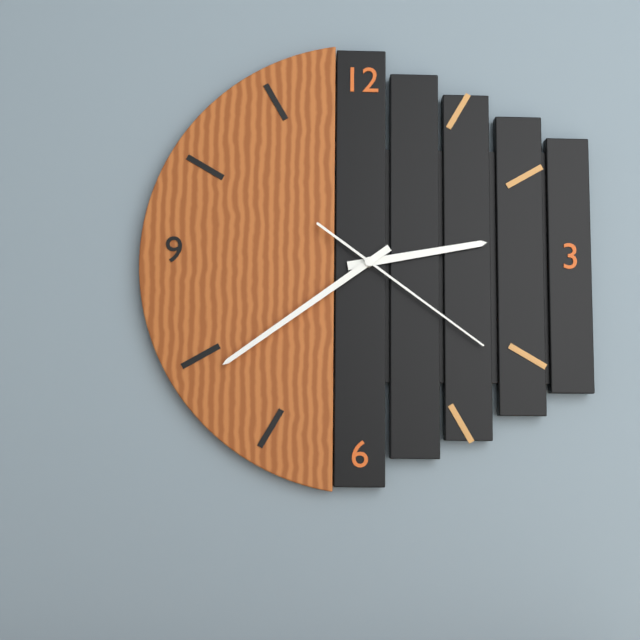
2 h 39 min 21 s
